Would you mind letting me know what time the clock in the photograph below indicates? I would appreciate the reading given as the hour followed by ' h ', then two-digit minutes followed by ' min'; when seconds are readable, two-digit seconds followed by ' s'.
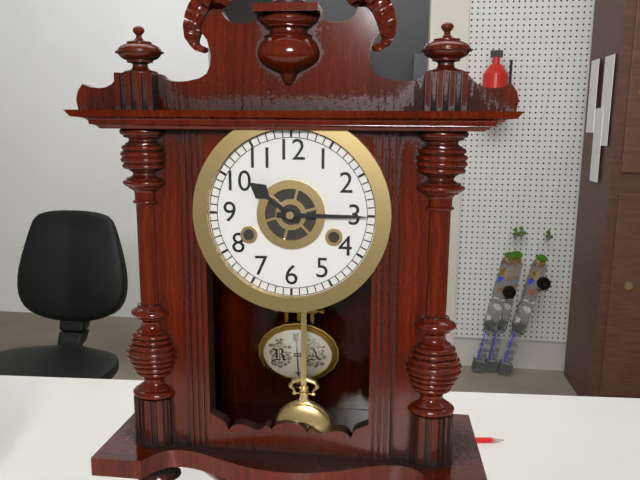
10 h 15 min
